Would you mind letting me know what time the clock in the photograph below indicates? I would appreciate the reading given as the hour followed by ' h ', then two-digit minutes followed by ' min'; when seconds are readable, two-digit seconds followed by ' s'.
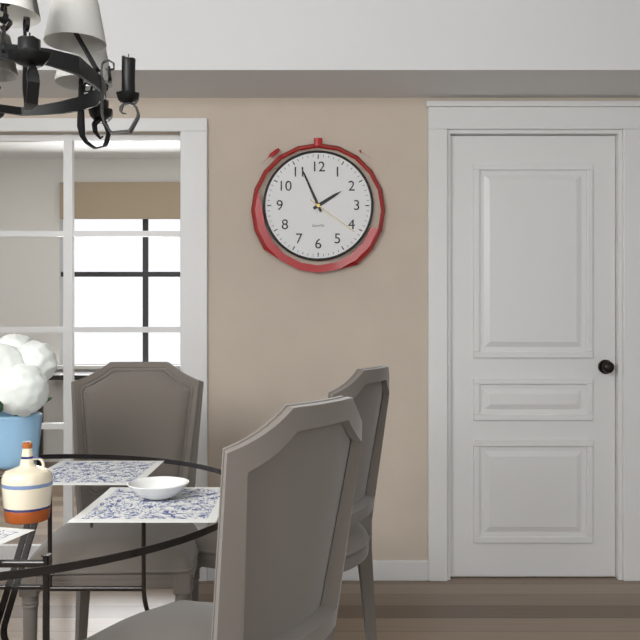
1 h 56 min 21 s
